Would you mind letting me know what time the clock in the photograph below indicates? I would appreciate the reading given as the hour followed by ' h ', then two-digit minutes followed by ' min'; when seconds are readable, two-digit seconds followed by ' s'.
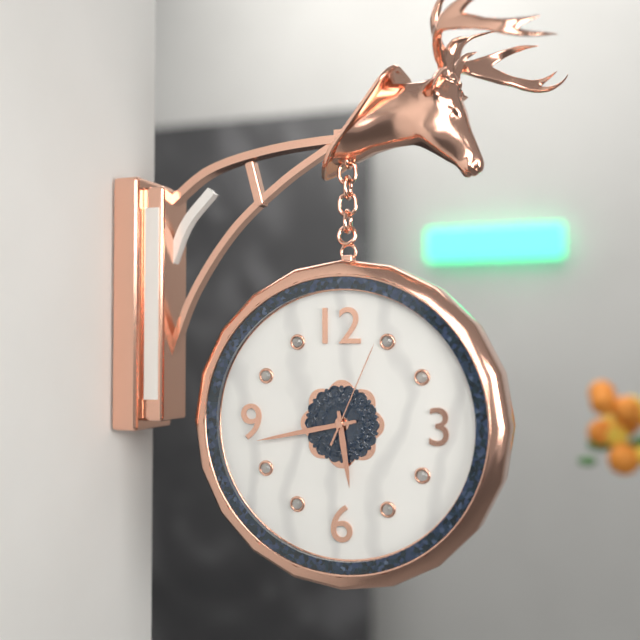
5 h 43 min 04 s
